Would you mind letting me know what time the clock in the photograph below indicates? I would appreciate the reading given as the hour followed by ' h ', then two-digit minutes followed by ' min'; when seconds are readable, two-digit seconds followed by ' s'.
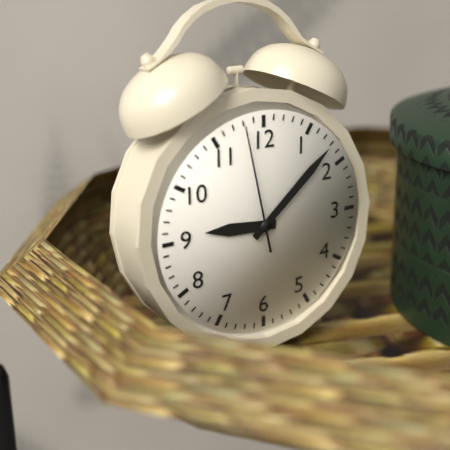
9 h 08 min 58 s
